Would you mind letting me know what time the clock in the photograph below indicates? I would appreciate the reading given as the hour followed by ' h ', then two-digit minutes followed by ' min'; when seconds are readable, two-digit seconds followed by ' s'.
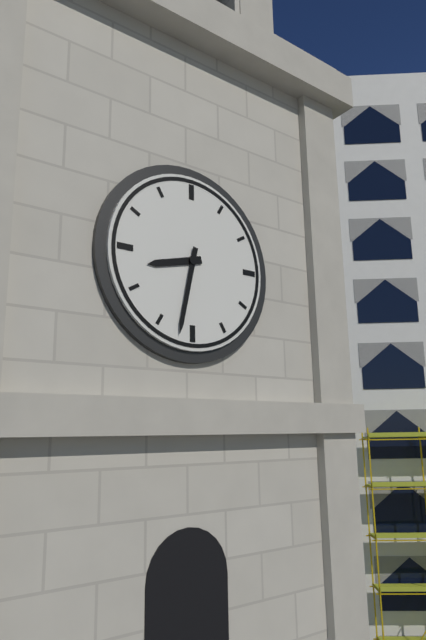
8 h 32 min
